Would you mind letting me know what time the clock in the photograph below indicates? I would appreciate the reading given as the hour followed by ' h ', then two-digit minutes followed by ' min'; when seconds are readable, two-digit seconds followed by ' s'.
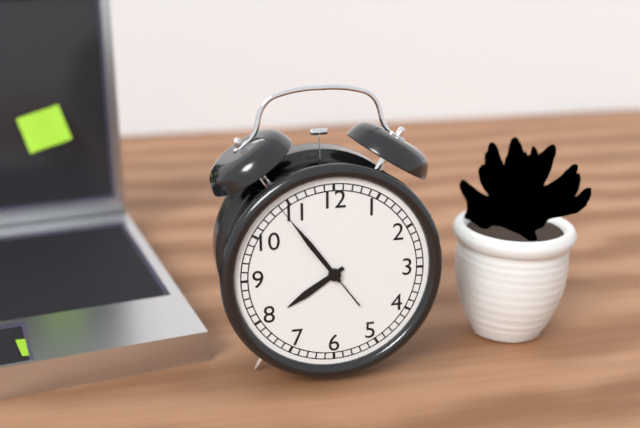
7 h 54 min 54 s
